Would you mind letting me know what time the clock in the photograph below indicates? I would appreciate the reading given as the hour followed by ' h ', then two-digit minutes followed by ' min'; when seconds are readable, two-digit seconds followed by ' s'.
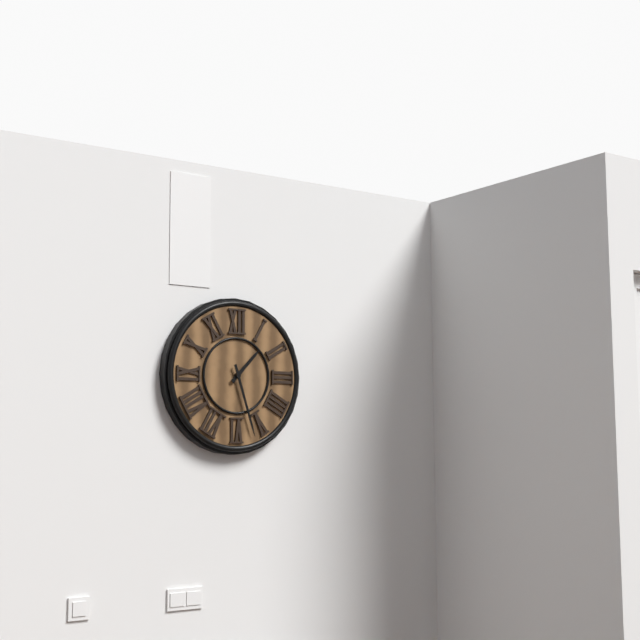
1 h 27 min
